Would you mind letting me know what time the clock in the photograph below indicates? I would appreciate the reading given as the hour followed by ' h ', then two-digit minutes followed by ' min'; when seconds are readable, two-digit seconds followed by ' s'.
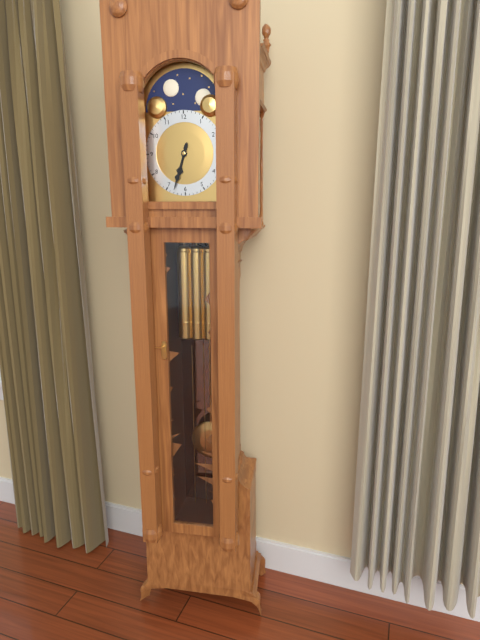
6 h 33 min
